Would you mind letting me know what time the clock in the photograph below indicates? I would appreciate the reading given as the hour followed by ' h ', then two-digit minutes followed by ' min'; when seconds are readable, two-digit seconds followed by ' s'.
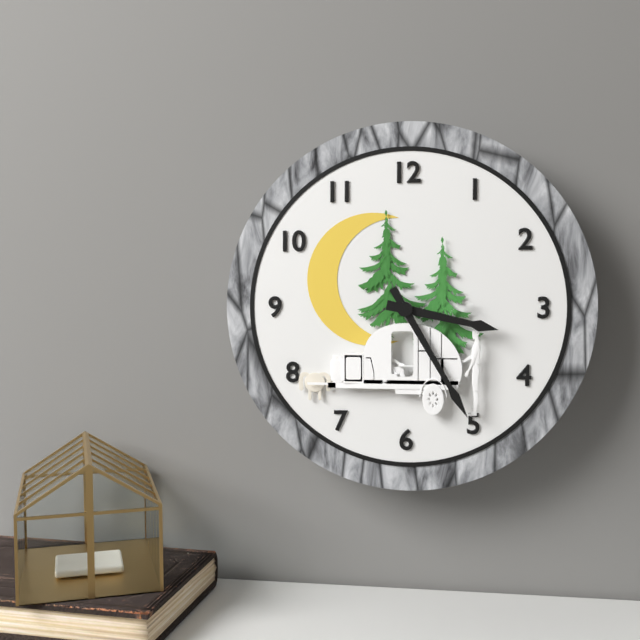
3 h 25 min
